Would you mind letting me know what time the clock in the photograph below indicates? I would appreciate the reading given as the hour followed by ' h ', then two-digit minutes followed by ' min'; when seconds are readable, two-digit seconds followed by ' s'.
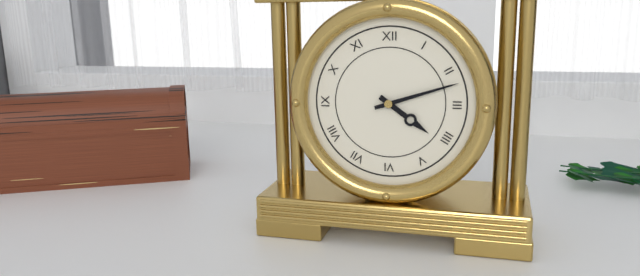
4 h 12 min
